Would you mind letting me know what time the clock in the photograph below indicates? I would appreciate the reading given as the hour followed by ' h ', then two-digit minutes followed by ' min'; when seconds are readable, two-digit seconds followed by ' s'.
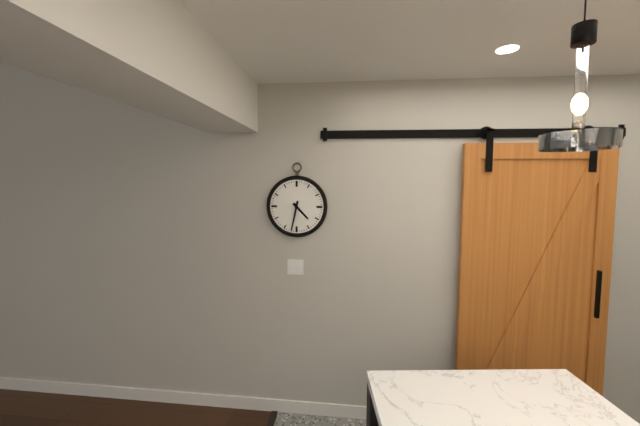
4 h 32 min
